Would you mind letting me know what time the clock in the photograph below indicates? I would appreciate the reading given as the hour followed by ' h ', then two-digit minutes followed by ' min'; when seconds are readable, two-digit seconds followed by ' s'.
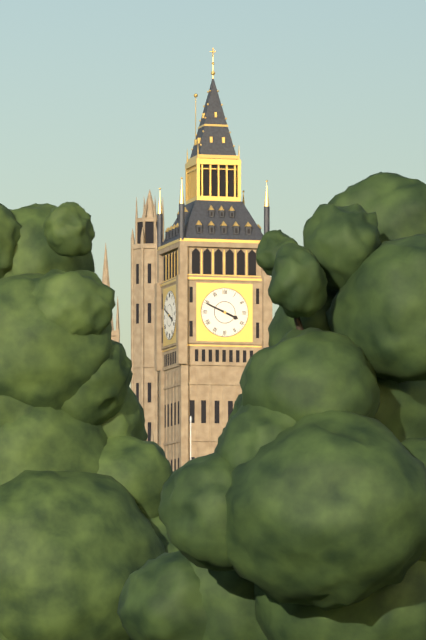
3 h 49 min
